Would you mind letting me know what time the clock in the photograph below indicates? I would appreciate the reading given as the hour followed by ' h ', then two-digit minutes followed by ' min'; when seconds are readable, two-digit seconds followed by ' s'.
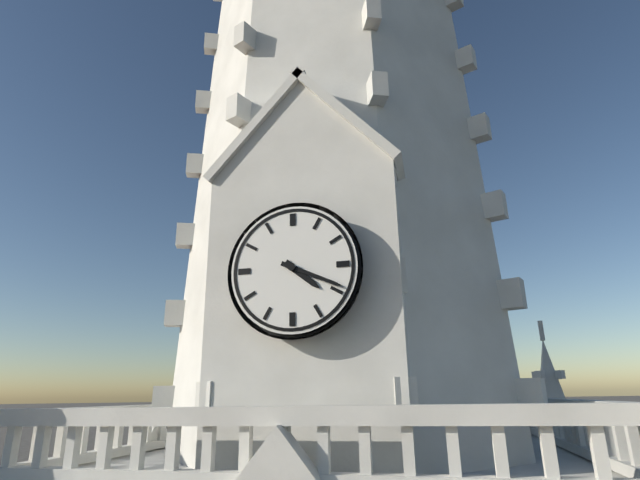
4 h 19 min
